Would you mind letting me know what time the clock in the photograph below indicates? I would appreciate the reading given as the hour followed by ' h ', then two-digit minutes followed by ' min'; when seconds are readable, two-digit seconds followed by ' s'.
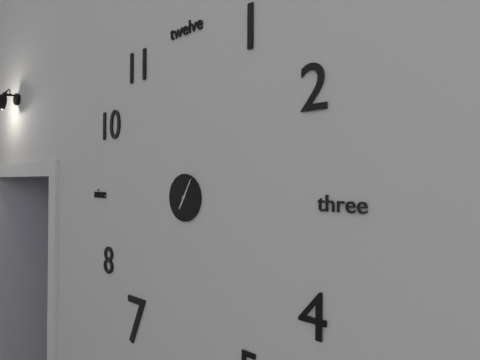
7 h 05 min
